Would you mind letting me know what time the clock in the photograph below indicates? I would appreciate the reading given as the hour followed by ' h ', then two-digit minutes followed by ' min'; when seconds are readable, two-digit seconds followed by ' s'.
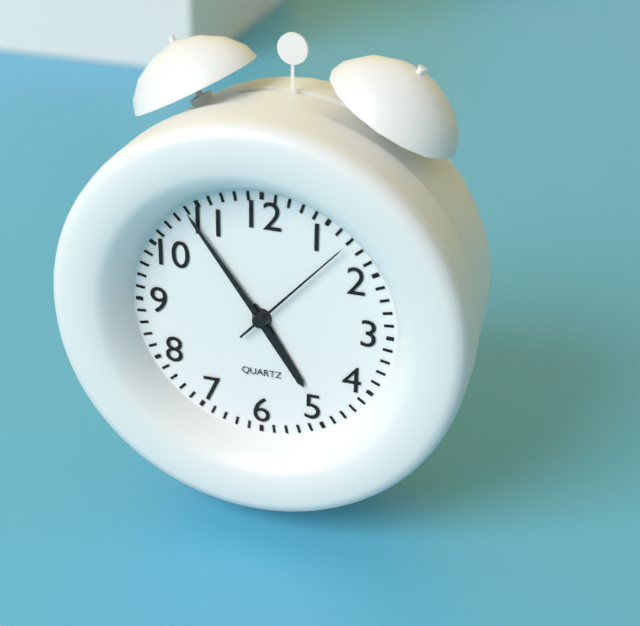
4 h 54 min 07 s
